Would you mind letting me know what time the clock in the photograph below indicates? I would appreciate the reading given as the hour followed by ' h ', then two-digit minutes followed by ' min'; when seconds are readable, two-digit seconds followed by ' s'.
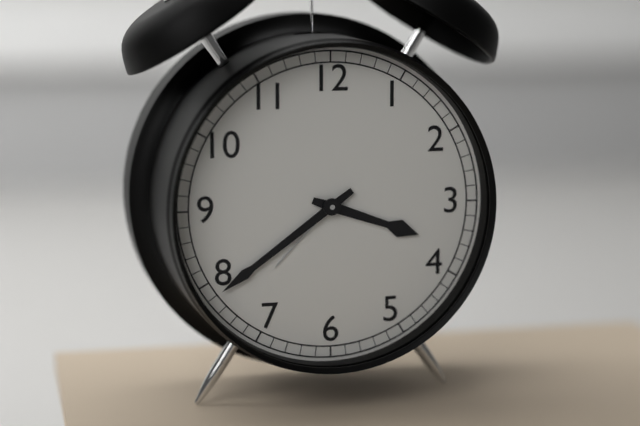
3 h 39 min
